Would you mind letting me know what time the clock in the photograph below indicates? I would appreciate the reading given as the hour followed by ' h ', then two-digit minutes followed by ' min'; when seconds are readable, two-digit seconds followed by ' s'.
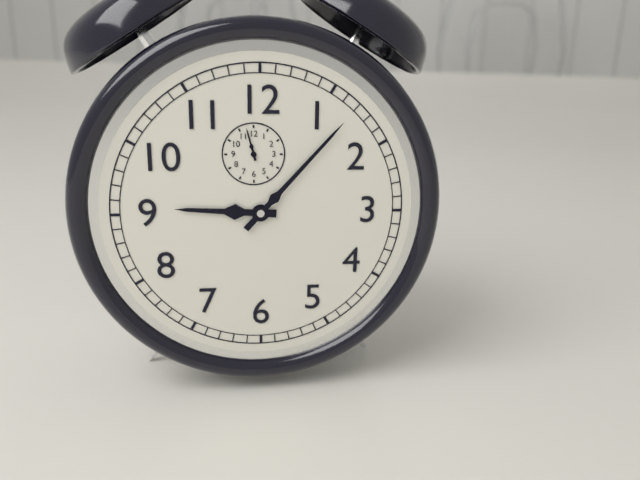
9 h 07 min
